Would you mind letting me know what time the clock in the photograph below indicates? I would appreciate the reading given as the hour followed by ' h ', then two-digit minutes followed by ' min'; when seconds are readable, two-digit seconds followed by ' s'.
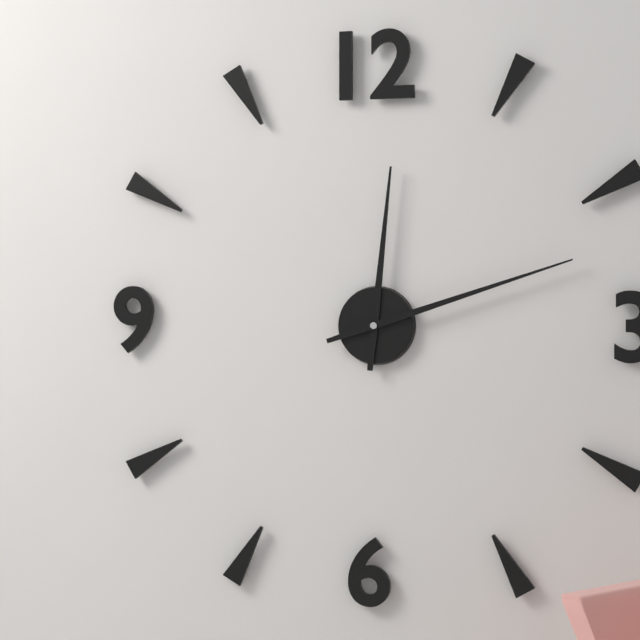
12 h 12 min
